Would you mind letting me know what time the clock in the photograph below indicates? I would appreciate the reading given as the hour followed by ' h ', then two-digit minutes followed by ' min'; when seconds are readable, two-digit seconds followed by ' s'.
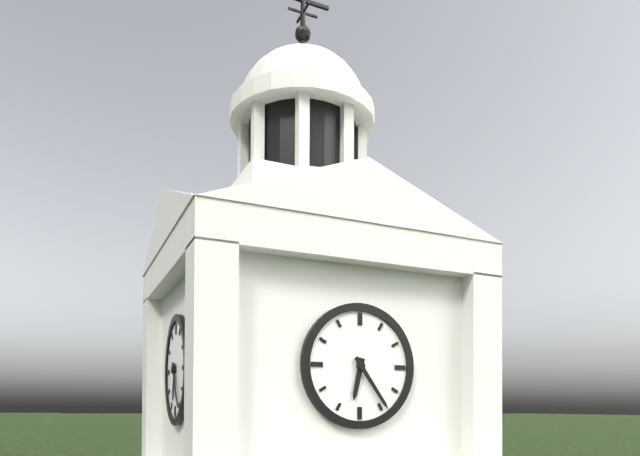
6 h 24 min
